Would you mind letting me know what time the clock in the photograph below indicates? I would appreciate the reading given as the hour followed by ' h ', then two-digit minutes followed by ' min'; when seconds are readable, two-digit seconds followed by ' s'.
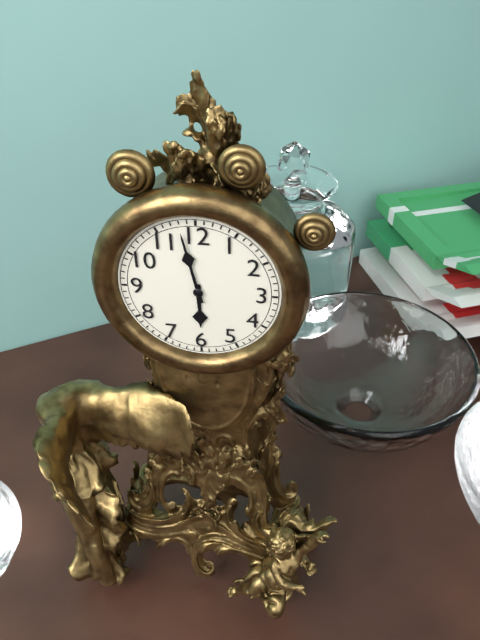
5 h 58 min
